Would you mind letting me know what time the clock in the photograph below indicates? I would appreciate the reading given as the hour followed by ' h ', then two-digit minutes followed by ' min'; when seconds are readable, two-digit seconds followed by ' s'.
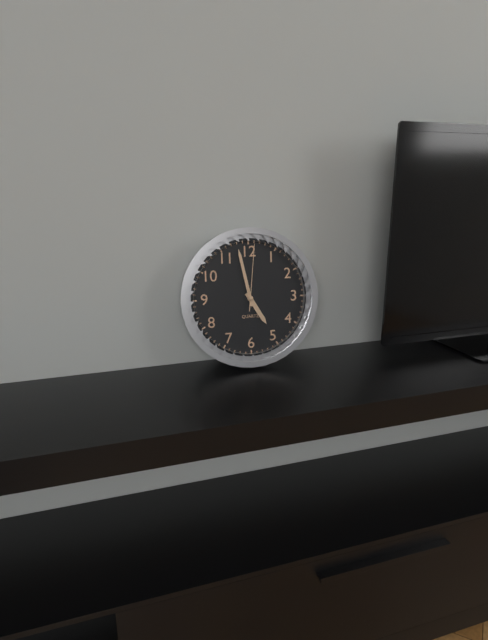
4 h 58 min 01 s
